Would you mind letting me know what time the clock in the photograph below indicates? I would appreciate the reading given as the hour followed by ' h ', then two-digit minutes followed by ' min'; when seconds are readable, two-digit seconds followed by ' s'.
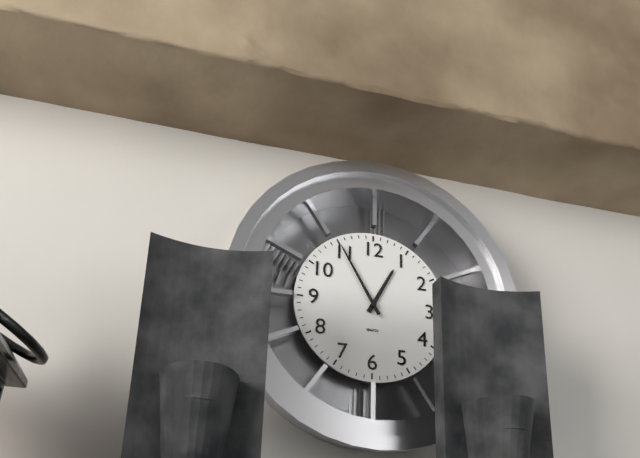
12 h 55 min
